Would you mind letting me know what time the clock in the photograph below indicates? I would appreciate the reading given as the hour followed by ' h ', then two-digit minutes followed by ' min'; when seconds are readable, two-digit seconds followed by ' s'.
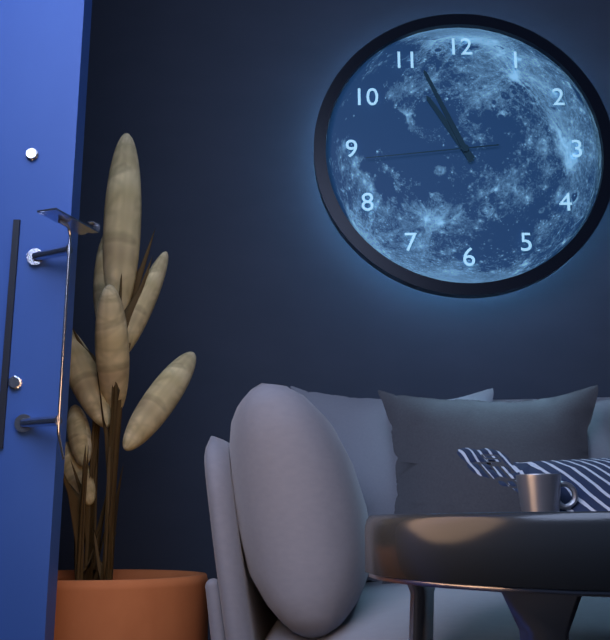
10 h 56 min 44 s
